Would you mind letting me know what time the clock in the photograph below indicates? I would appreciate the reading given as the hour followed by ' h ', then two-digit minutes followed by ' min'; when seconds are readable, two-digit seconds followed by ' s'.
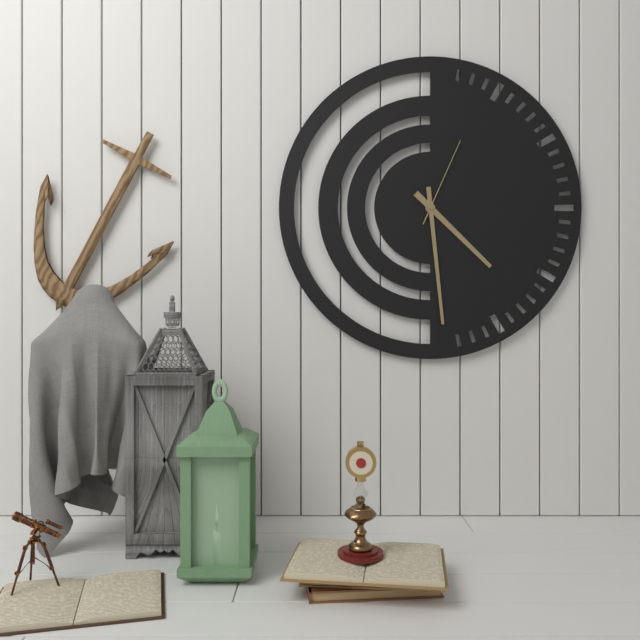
4 h 29 min 04 s
